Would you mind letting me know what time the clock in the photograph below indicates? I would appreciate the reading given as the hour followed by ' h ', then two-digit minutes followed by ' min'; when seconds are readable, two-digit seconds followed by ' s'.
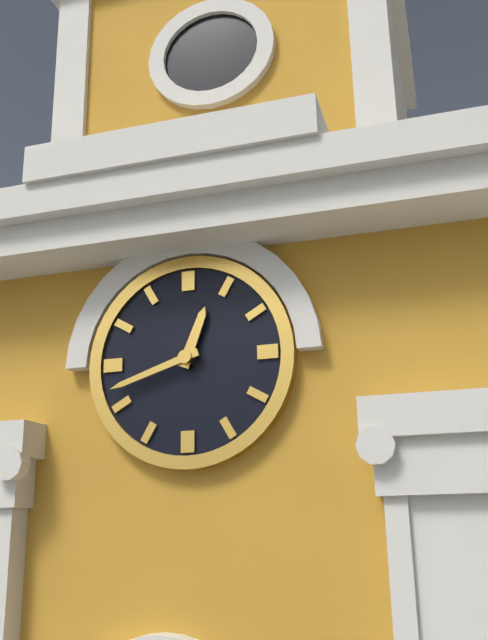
12 h 42 min
